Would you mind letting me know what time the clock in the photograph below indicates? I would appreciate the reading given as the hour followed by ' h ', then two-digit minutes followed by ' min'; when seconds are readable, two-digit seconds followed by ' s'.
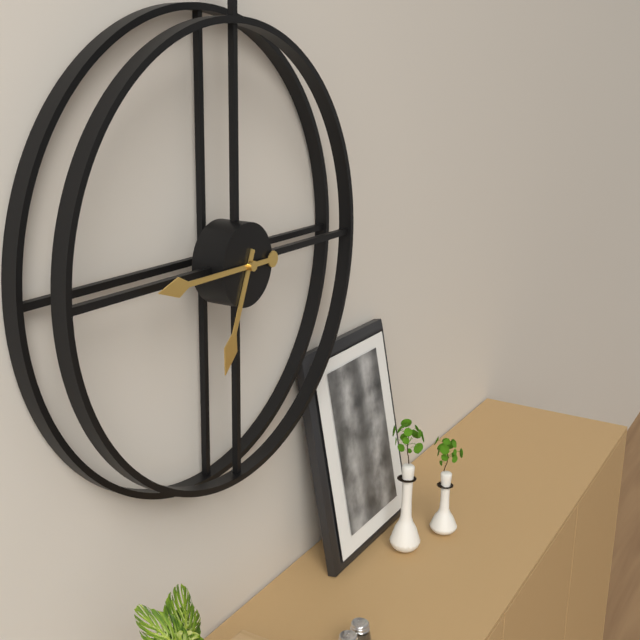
6 h 45 min
